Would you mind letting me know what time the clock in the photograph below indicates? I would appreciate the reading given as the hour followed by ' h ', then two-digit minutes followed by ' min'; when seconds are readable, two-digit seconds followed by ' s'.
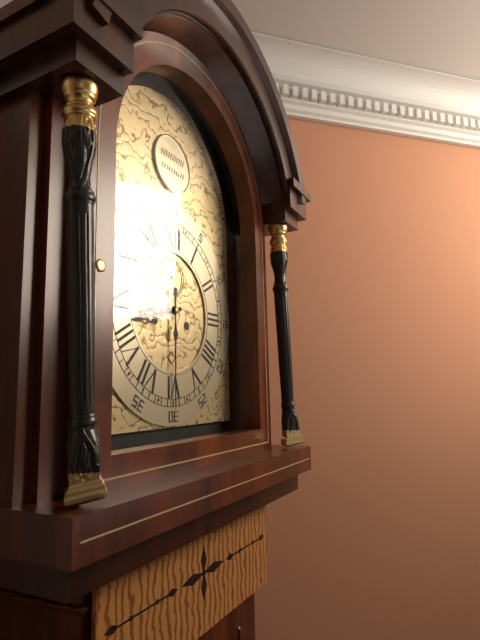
8 h 30 min
